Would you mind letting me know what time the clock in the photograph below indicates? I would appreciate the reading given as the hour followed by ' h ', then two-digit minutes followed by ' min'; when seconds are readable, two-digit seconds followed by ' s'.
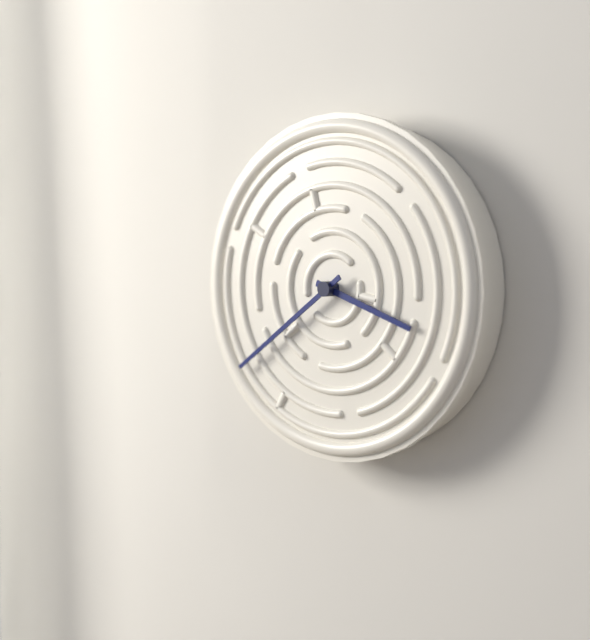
3 h 39 min
